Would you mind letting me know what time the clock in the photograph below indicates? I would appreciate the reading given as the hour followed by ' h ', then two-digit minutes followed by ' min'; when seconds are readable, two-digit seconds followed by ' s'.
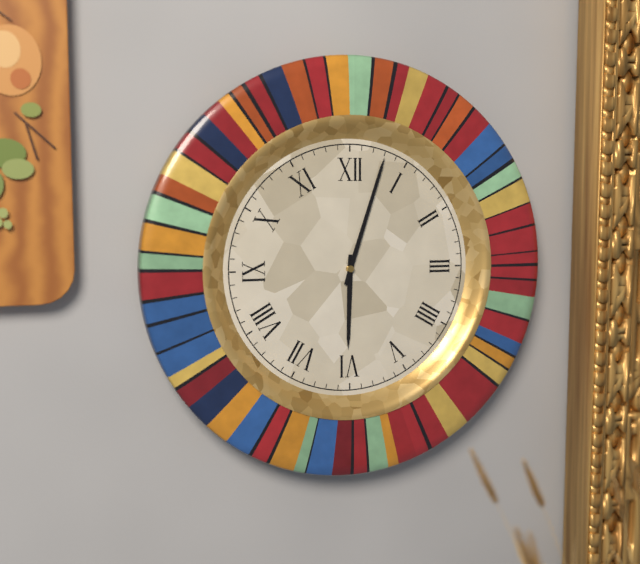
6 h 03 min
